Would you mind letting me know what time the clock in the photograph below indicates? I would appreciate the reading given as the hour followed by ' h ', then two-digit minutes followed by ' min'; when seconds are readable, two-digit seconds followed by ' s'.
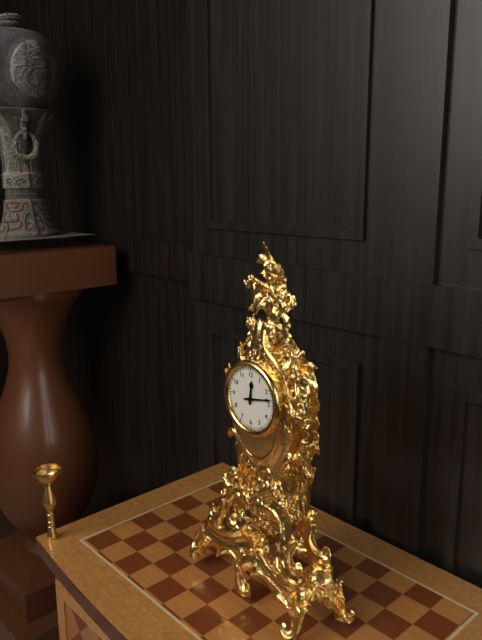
12 h 13 min
